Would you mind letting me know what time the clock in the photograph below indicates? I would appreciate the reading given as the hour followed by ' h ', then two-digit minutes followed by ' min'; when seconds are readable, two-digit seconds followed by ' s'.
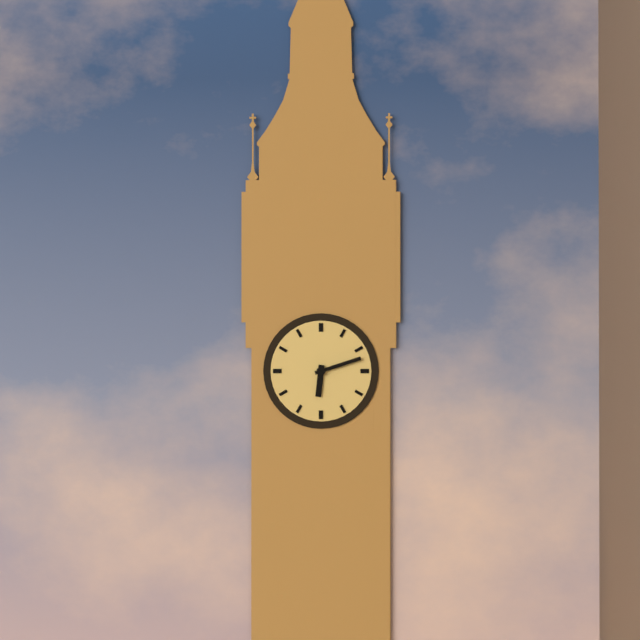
6 h 12 min
